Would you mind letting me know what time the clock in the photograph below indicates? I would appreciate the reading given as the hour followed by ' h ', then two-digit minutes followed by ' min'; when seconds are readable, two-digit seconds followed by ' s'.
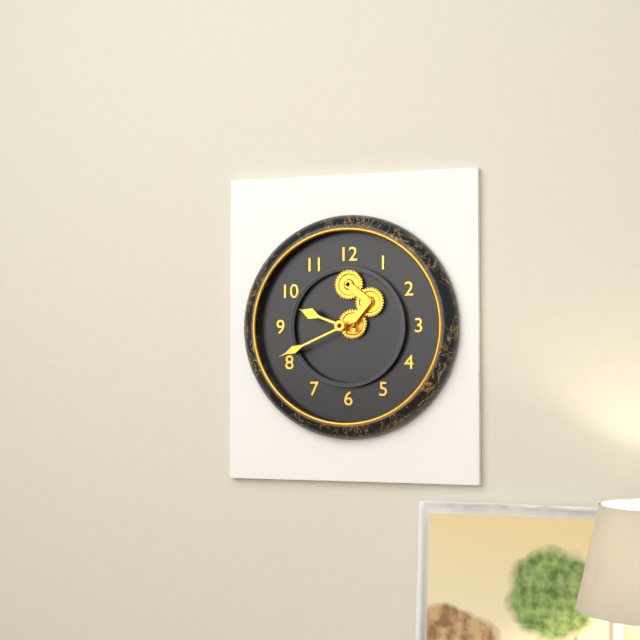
9 h 41 min
